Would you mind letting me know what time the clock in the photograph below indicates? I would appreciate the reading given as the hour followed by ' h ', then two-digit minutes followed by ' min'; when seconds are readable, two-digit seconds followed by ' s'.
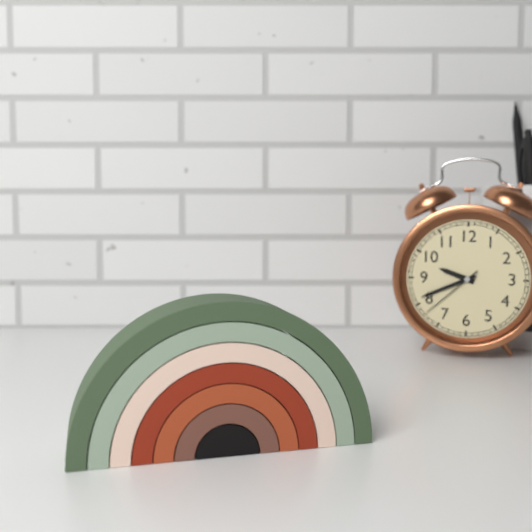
9 h 41 min 38 s
